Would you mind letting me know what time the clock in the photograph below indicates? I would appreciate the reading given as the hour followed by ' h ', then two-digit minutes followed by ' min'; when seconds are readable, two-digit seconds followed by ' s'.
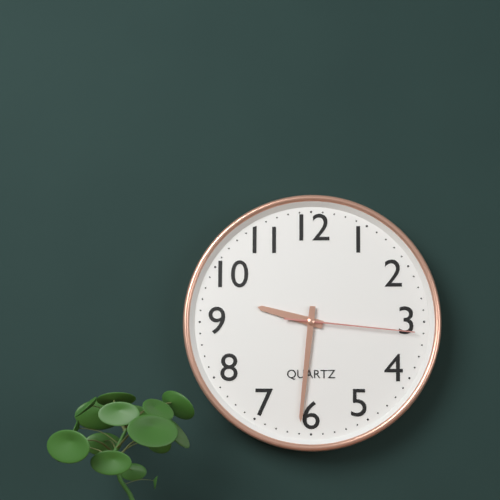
9 h 31 min 16 s
